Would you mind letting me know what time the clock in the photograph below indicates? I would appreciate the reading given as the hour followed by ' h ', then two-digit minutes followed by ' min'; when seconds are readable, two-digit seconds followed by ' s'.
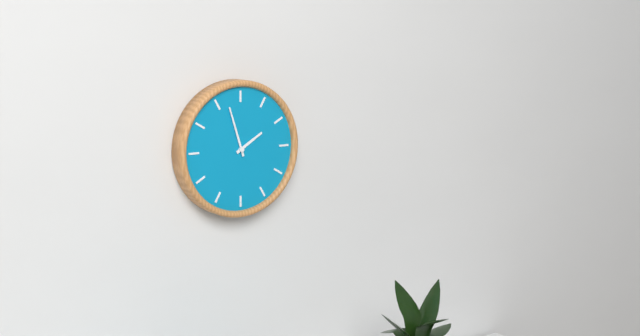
1 h 57 min
